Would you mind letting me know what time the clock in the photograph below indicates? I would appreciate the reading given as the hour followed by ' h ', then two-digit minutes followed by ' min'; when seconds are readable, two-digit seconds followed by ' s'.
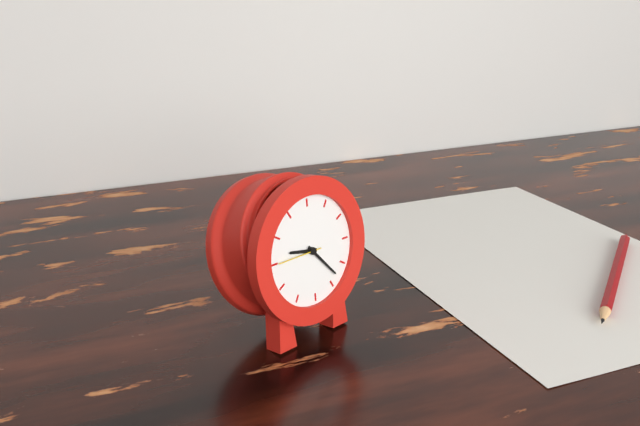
9 h 23 min
